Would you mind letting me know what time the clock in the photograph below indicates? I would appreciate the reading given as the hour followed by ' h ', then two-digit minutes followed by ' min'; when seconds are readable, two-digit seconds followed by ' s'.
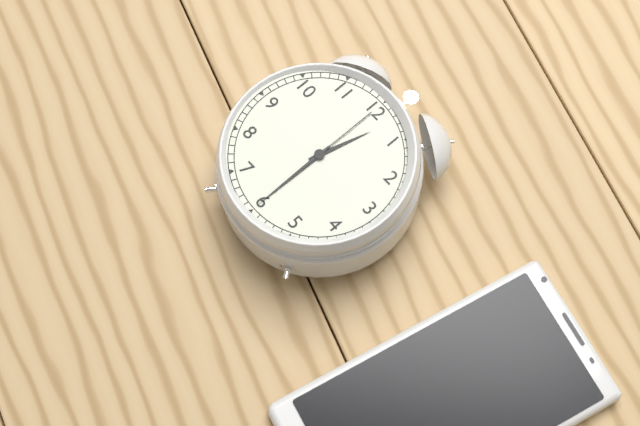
12 h 30 min 00 s
